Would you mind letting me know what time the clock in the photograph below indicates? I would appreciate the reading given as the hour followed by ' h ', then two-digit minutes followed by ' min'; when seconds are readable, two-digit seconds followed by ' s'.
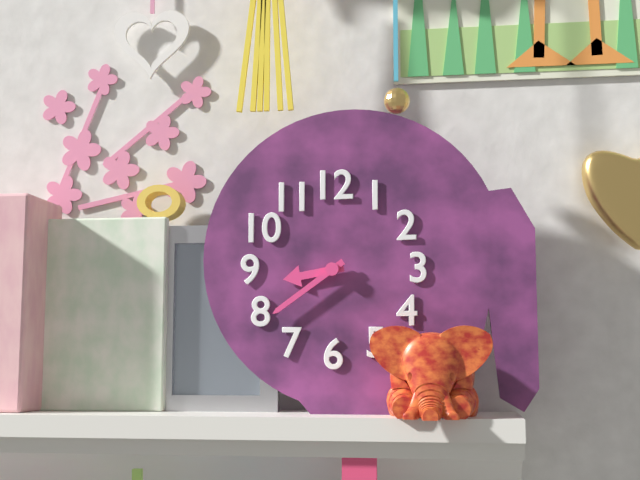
8 h 39 min
